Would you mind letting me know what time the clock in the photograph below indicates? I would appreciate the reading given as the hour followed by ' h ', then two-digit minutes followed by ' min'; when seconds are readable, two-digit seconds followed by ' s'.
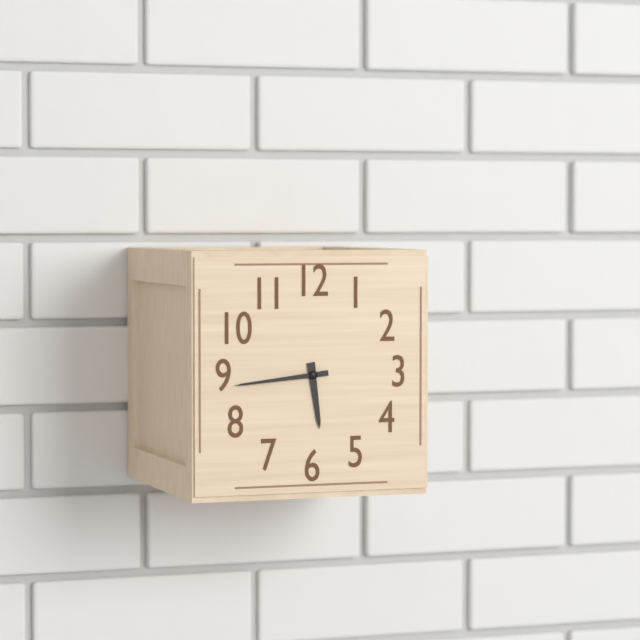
5 h 44 min
